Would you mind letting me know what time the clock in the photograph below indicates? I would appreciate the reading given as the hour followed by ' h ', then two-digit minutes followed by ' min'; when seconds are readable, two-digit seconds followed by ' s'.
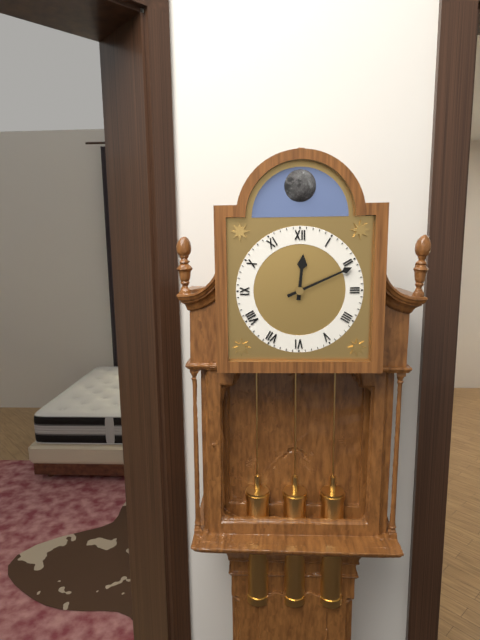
12 h 11 min
